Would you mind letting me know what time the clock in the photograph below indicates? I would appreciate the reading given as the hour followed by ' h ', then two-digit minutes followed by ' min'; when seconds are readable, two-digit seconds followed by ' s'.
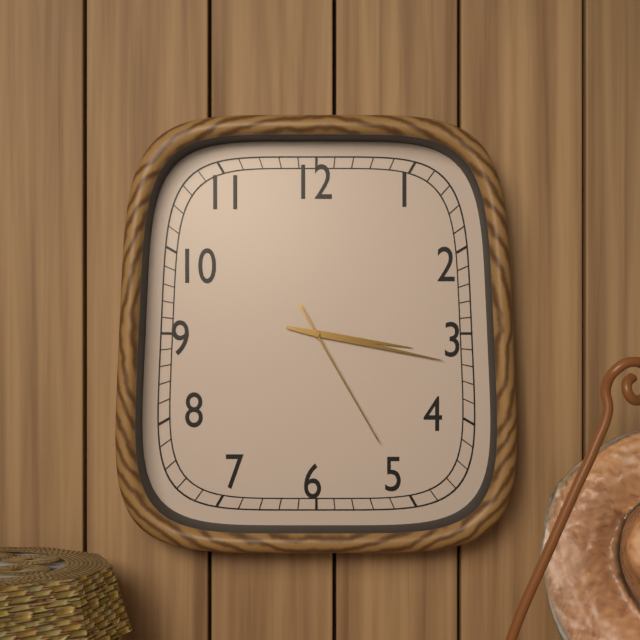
3 h 17 min 25 s
